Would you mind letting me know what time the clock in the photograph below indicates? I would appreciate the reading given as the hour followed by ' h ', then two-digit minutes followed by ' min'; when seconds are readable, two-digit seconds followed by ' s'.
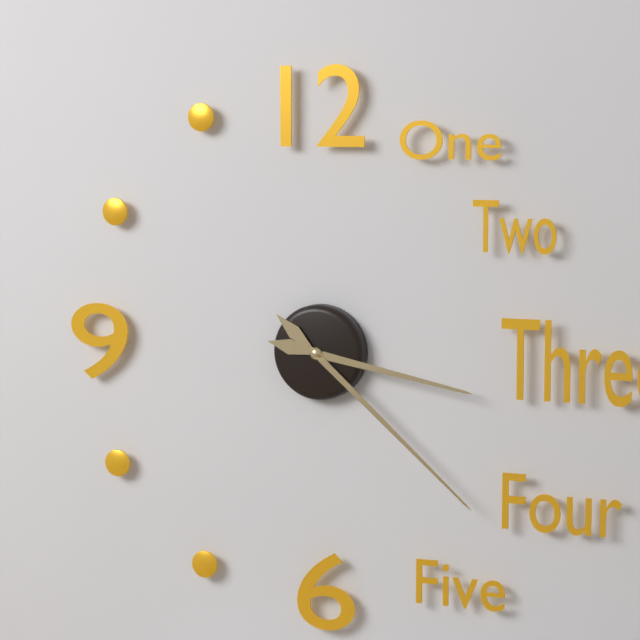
3 h 22 min
